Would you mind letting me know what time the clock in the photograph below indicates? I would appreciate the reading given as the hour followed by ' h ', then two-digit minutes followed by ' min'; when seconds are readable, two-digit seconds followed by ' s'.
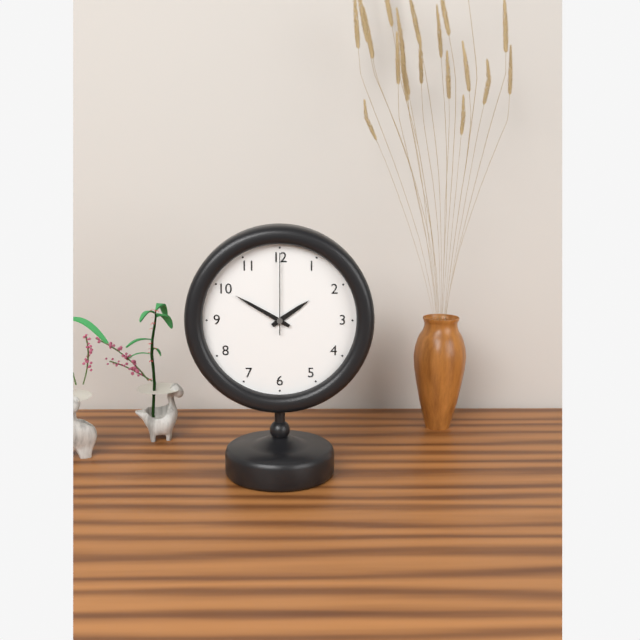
1 h 50 min 00 s
